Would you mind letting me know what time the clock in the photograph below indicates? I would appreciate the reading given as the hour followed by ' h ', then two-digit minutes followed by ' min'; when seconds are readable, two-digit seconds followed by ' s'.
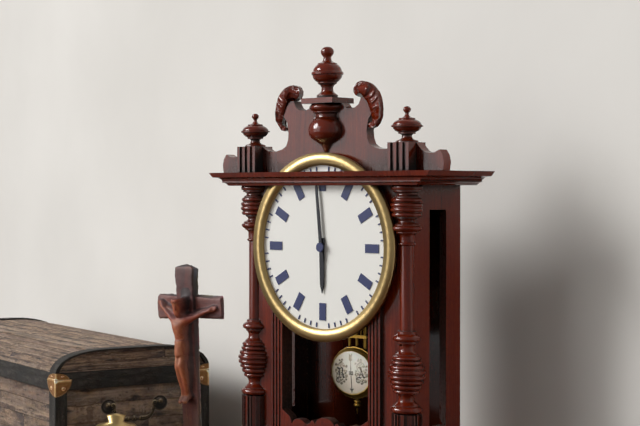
5 h 59 min
